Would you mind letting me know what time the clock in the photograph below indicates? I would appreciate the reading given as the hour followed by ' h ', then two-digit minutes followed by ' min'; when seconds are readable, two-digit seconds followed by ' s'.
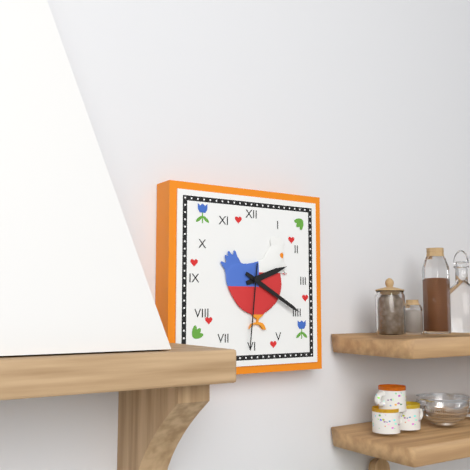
2 h 20 min 31 s
